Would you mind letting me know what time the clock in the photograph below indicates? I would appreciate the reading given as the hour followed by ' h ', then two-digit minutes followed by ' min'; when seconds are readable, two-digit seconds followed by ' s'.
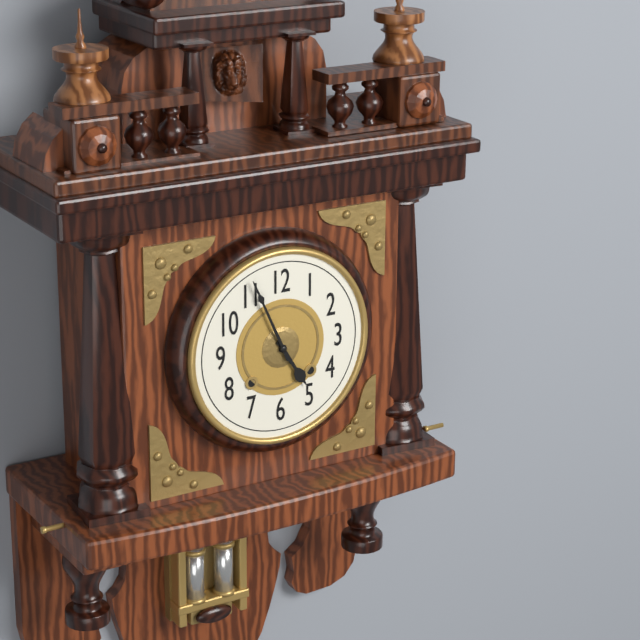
4 h 56 min
